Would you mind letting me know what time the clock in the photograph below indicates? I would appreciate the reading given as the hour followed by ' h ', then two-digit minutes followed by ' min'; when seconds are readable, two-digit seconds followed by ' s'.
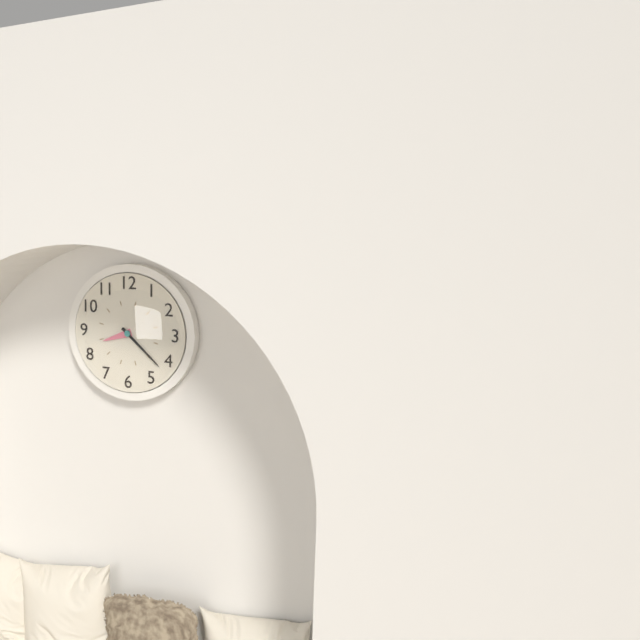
8 h 22 min
